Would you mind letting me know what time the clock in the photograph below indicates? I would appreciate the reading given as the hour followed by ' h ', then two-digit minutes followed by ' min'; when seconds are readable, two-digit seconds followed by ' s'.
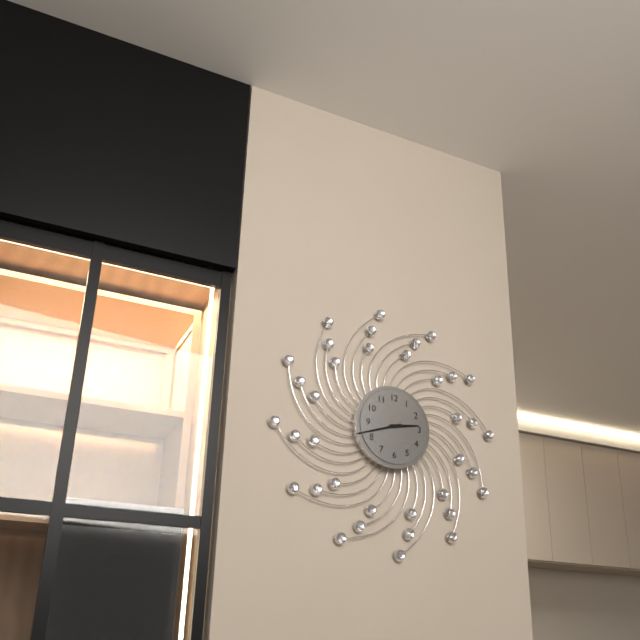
2 h 42 min
